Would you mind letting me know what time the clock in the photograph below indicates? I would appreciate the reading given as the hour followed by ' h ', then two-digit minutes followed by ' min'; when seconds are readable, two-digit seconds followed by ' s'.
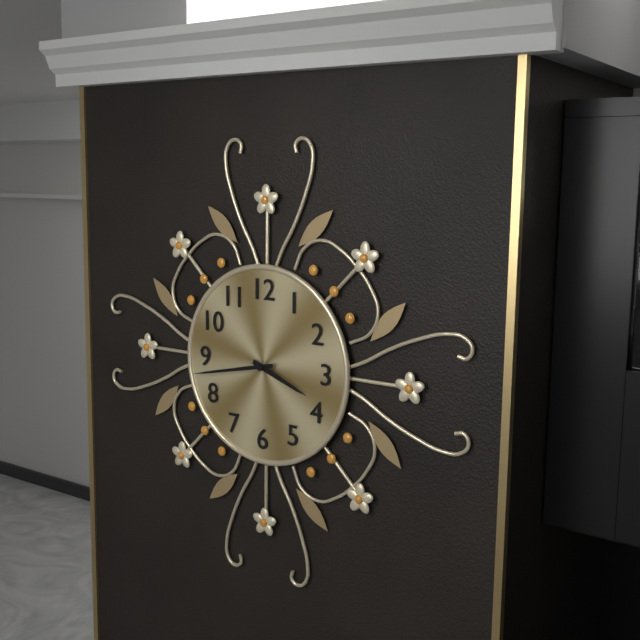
3 h 43 min
